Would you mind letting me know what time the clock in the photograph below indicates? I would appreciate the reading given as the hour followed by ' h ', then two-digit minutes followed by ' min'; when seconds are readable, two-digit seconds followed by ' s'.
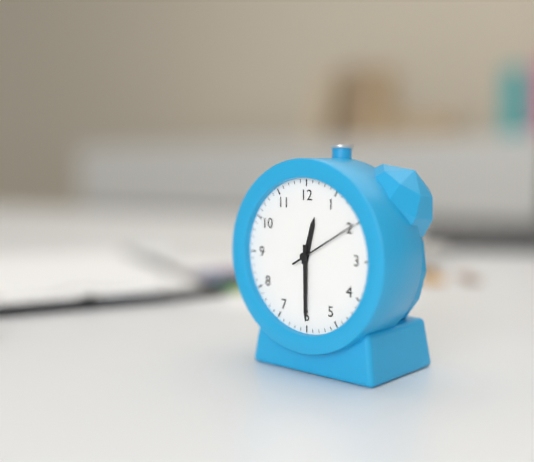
12 h 30 min 10 s
